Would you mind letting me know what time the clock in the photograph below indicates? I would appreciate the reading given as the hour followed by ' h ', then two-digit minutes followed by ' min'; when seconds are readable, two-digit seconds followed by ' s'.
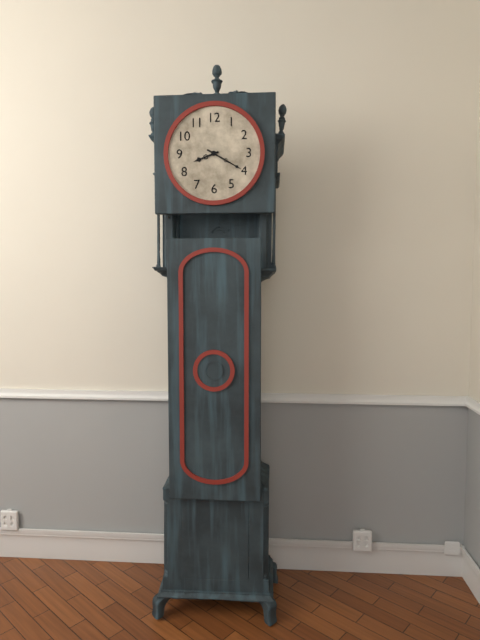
8 h 20 min
